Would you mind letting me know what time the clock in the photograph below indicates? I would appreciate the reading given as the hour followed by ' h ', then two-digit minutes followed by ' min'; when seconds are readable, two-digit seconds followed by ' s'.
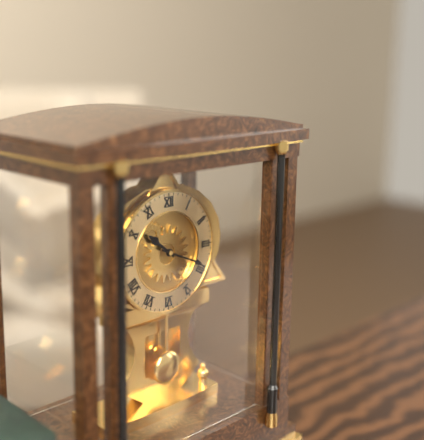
10 h 19 min
